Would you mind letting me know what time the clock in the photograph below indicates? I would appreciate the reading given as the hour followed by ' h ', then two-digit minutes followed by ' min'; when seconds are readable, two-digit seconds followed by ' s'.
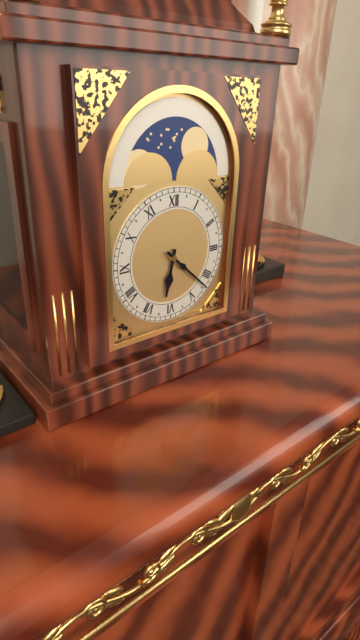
6 h 22 min
